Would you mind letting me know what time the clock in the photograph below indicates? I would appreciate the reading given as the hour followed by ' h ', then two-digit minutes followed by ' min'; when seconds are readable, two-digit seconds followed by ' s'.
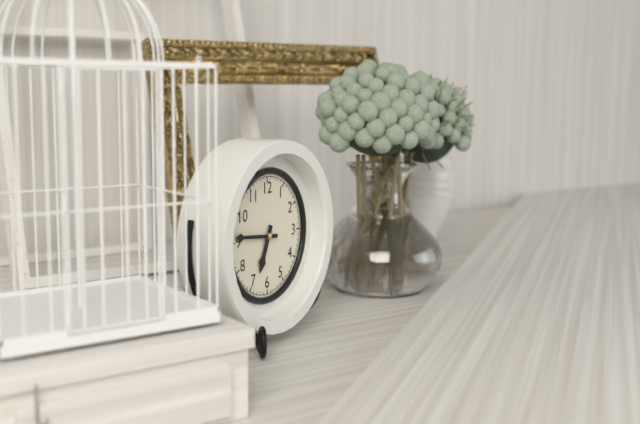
6 h 46 min
